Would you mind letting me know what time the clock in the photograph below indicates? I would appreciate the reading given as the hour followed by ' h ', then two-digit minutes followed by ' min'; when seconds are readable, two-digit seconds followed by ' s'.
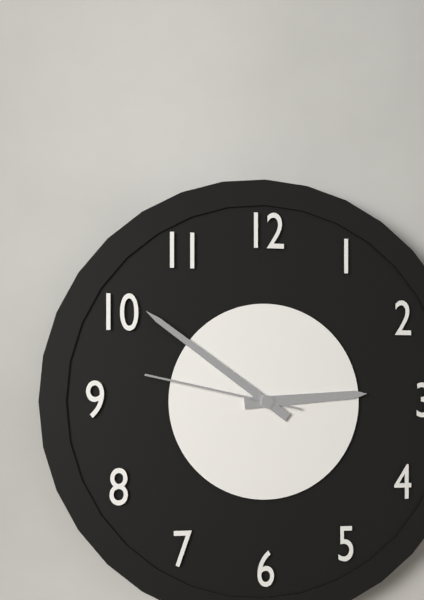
2 h 51 min 47 s
